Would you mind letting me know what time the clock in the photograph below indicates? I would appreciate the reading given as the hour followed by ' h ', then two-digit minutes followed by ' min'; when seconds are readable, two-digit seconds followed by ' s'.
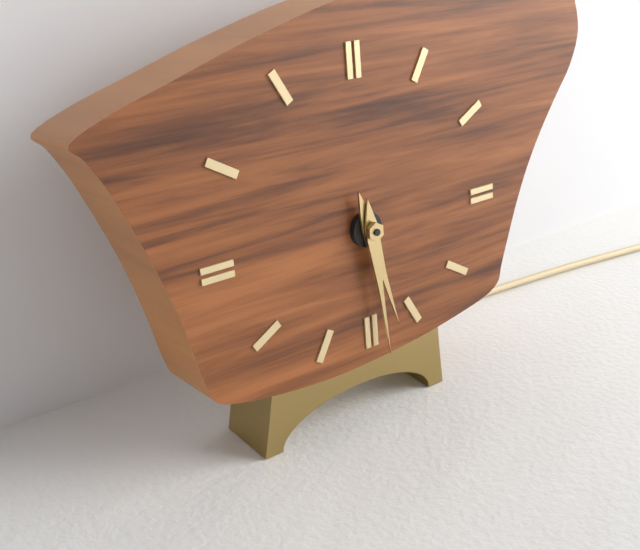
5 h 29 min
